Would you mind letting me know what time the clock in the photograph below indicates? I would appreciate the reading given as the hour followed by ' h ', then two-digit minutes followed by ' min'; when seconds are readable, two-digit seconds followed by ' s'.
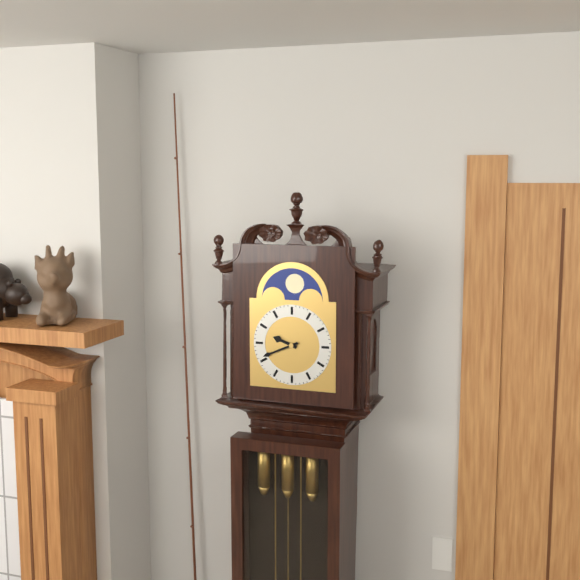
9 h 41 min
